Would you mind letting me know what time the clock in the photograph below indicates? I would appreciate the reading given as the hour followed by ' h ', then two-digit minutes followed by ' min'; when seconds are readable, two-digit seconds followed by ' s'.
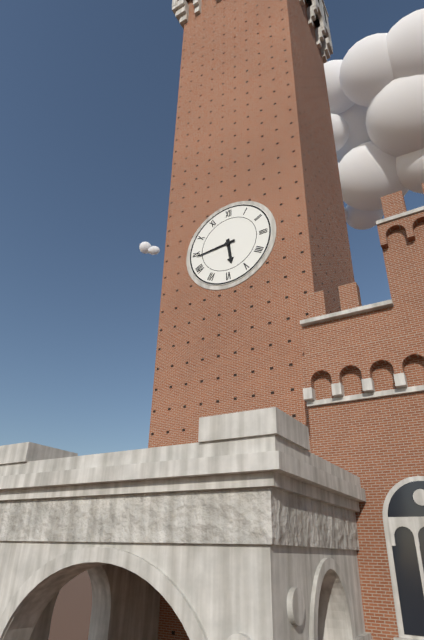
5 h 44 min
